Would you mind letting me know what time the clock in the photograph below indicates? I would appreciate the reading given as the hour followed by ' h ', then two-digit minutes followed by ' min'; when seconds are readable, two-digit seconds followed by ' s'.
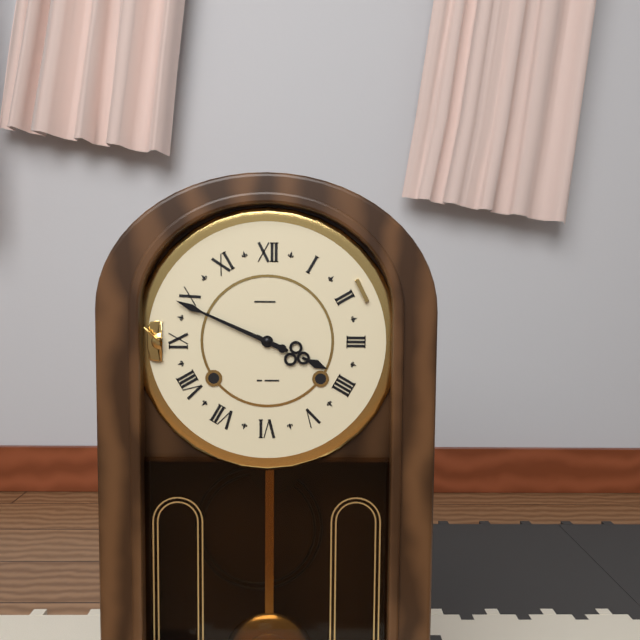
3 h 49 min
